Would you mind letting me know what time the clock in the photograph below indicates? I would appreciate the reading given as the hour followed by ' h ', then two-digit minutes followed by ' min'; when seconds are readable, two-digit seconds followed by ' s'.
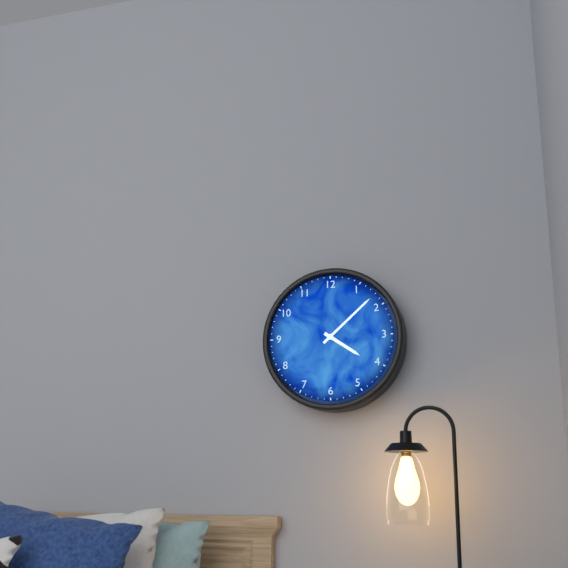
4 h 08 min
